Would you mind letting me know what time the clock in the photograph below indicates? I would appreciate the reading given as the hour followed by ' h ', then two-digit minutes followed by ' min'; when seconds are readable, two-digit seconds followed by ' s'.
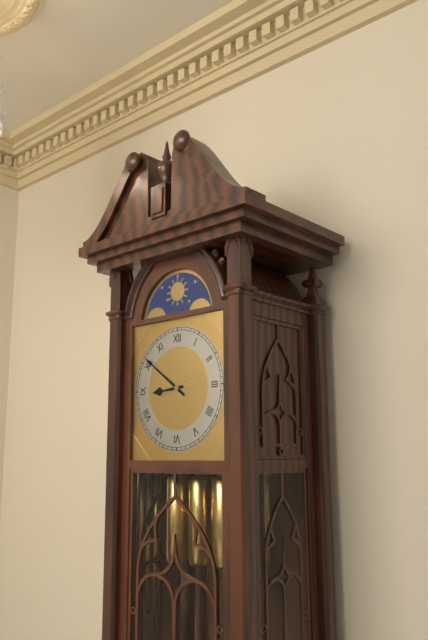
8 h 51 min
